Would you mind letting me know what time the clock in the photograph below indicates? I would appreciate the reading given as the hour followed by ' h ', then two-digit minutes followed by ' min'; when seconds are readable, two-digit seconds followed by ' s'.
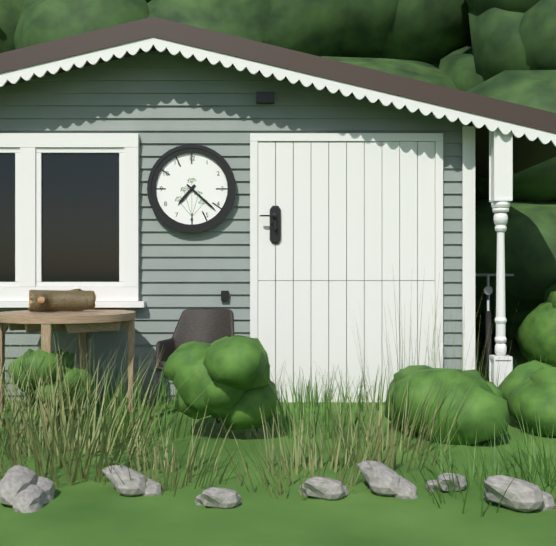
7 h 22 min
